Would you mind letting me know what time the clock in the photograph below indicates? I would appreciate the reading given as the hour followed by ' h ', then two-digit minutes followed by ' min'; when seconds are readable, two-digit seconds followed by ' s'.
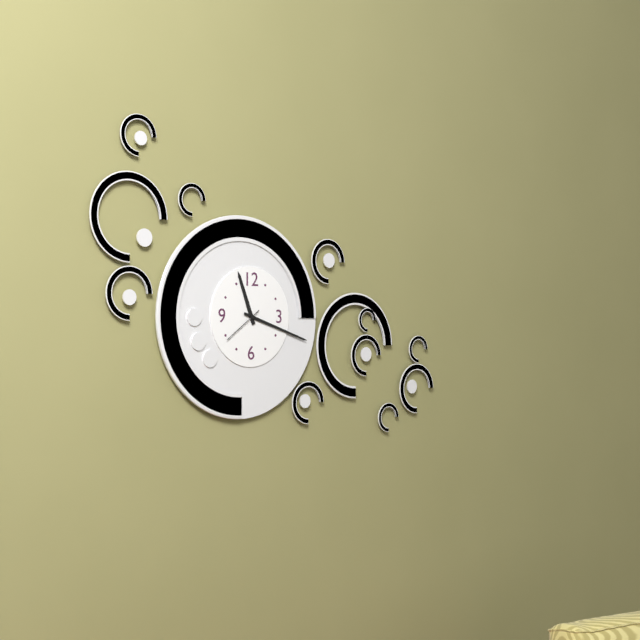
11 h 18 min
